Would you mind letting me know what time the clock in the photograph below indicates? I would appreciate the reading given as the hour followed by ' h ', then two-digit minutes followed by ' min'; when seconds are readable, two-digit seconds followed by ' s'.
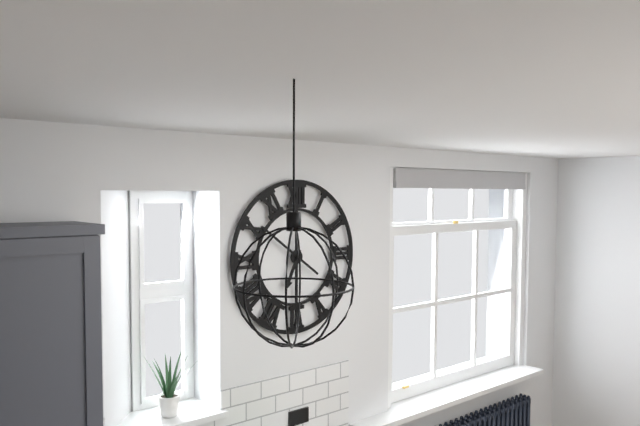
6 h 51 min
